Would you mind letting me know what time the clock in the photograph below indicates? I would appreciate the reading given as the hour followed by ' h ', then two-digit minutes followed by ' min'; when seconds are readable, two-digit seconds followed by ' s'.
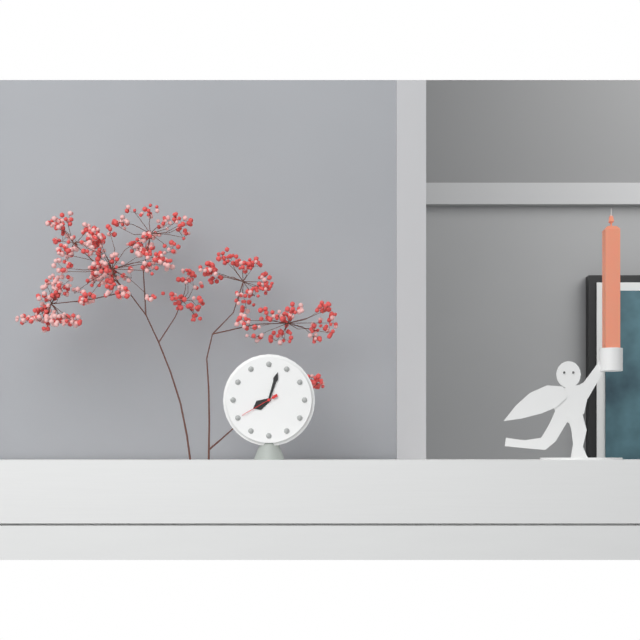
8 h 03 min
